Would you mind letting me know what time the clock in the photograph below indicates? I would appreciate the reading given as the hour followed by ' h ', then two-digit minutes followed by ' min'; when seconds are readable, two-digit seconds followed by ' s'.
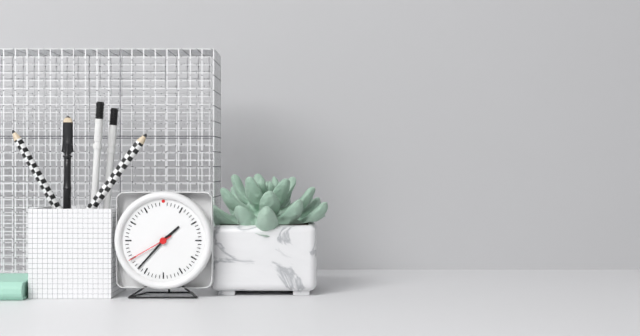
1 h 37 min
